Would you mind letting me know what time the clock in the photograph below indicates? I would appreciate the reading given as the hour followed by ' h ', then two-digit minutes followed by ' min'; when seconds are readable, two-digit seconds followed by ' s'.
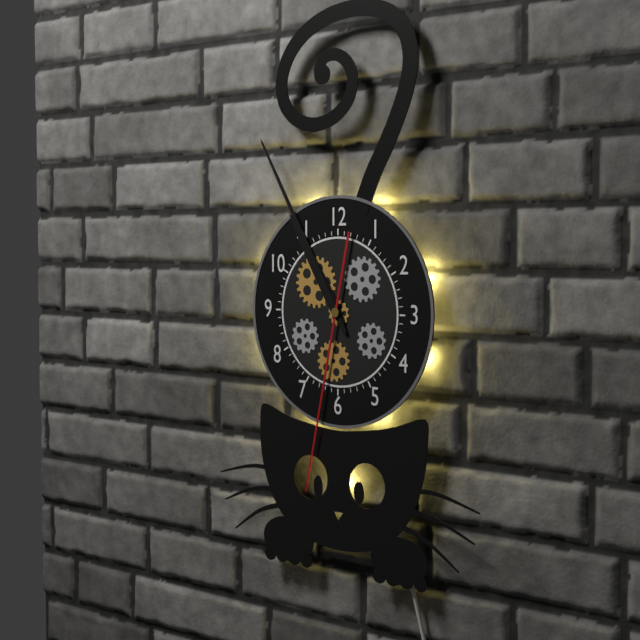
10 h 55 min 32 s
